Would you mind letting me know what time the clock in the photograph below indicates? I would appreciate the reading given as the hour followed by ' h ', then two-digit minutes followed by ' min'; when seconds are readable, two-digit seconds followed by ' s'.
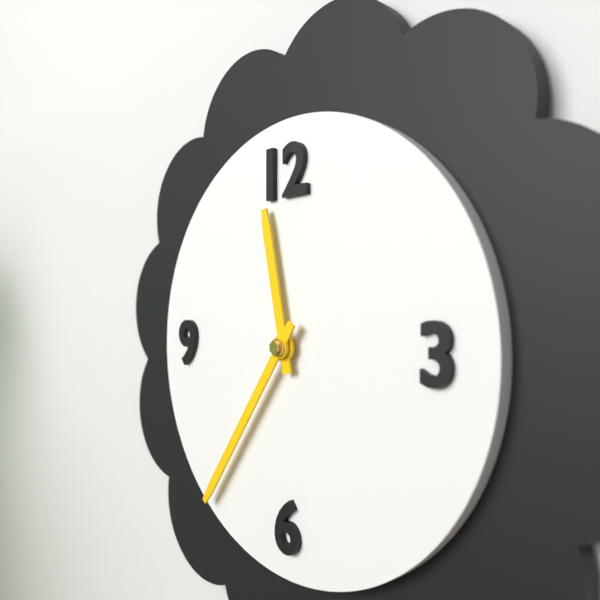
11 h 36 min
